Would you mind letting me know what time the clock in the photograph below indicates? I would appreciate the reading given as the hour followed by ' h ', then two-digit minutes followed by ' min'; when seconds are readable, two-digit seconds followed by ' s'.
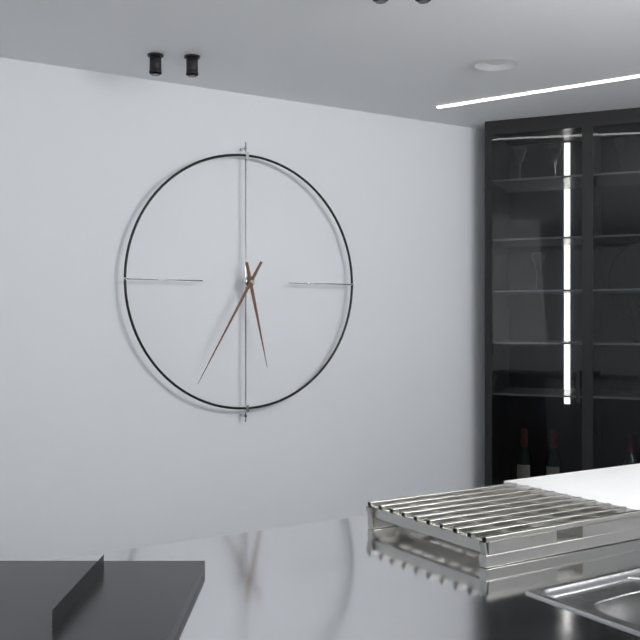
5 h 35 min
